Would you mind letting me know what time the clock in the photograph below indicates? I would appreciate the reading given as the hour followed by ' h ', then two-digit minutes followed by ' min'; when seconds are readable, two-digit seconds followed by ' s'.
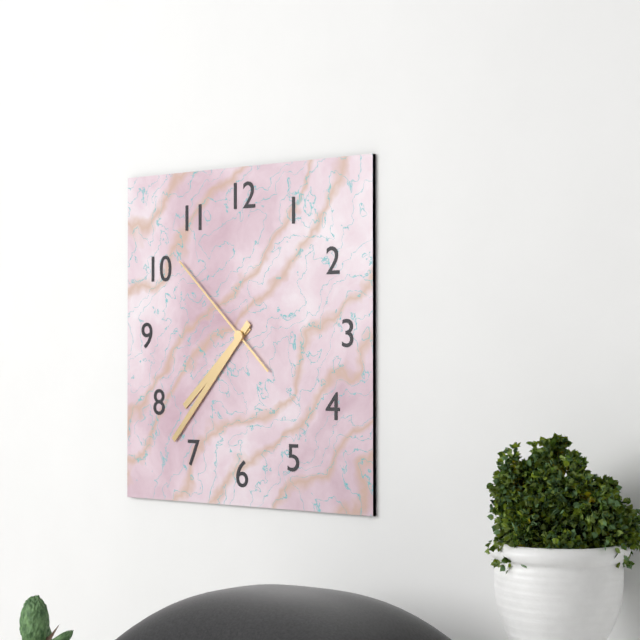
7 h 37 min 52 s
